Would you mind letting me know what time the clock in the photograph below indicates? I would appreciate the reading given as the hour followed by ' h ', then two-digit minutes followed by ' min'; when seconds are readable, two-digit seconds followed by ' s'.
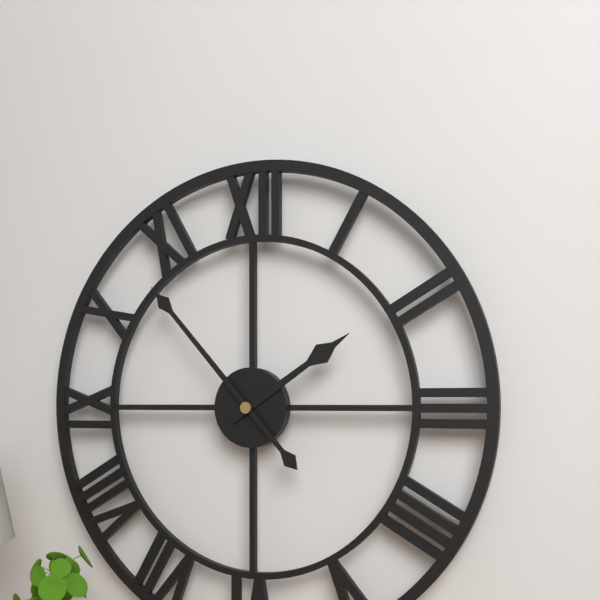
1 h 53 min
